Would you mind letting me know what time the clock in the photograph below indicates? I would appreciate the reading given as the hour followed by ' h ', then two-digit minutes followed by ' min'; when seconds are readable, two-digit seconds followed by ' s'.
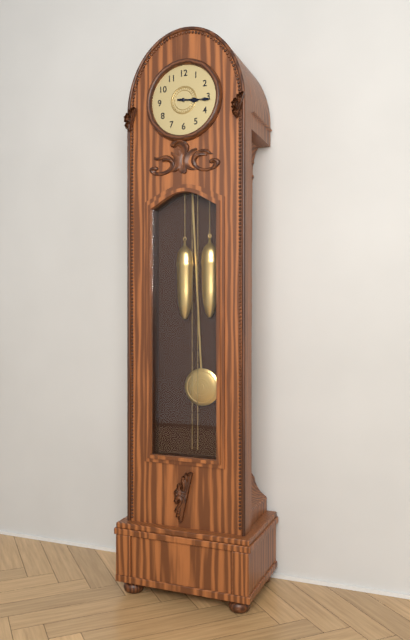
3 h 16 min
